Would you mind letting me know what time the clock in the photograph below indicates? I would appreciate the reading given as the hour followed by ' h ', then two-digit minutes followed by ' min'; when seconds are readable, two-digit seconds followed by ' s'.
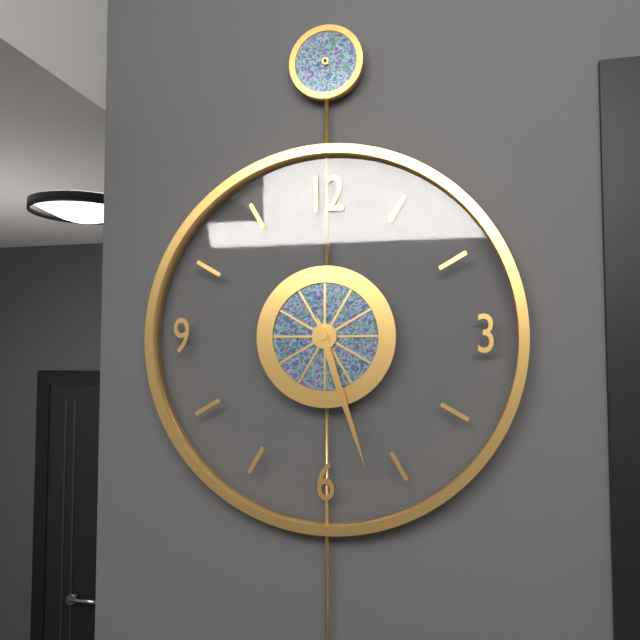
5 h 27 min
